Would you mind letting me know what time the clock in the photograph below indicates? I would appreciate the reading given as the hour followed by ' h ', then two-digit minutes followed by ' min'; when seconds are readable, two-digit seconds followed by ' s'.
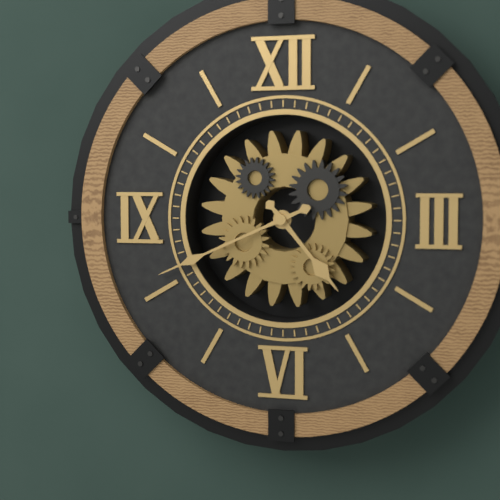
4 h 41 min
